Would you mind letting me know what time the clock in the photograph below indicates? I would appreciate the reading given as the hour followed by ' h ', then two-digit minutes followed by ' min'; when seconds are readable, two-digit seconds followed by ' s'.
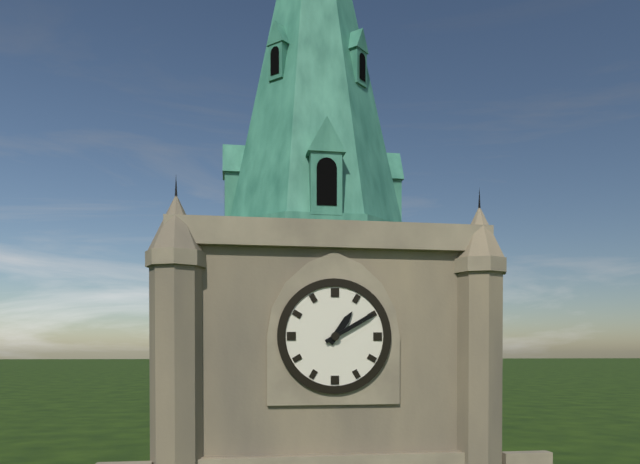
1 h 10 min
